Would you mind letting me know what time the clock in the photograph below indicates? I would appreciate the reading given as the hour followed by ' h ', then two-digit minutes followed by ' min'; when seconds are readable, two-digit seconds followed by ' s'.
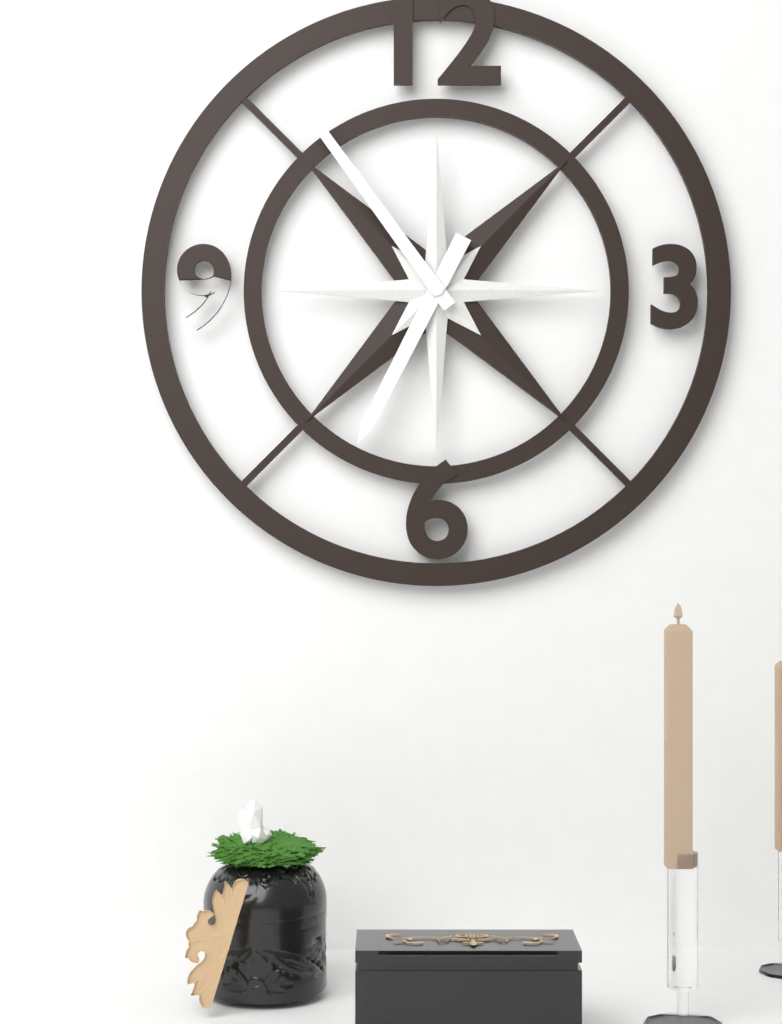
6 h 54 min
